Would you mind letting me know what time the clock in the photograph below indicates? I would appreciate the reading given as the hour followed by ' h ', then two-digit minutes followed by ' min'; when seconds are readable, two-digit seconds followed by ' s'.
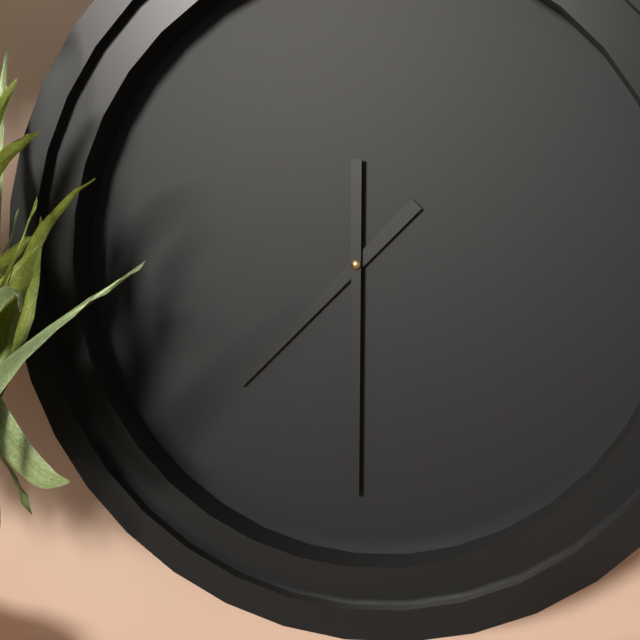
7 h 30 min
